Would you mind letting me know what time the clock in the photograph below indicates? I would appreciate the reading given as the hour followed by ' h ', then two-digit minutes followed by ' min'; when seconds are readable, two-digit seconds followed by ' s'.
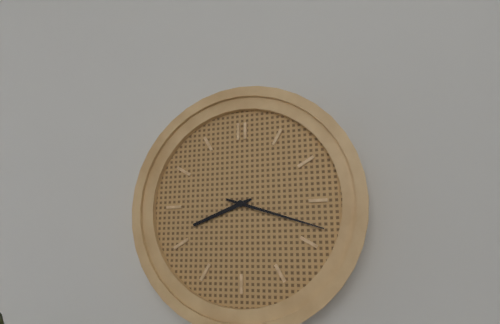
8 h 18 min
